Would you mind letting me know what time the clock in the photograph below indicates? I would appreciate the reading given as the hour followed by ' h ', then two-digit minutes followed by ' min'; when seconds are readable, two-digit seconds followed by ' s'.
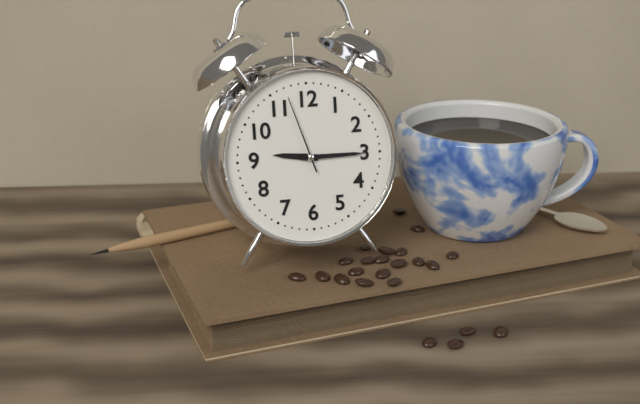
9 h 15 min 57 s
